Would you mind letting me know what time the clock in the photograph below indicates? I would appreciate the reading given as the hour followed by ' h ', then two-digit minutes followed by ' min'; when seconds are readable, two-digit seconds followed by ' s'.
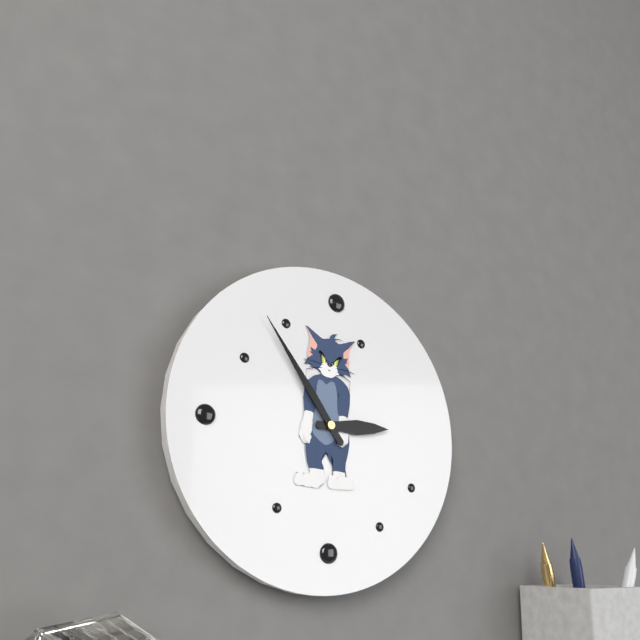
2 h 54 min
